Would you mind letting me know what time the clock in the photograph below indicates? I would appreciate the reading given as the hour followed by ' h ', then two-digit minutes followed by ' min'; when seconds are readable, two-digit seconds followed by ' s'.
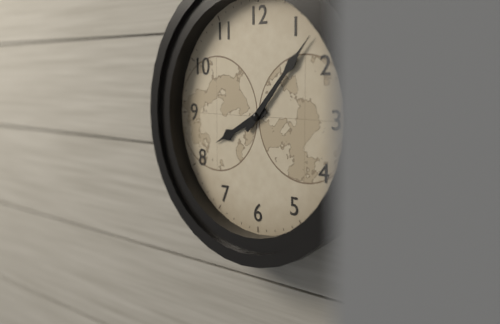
8 h 07 min
